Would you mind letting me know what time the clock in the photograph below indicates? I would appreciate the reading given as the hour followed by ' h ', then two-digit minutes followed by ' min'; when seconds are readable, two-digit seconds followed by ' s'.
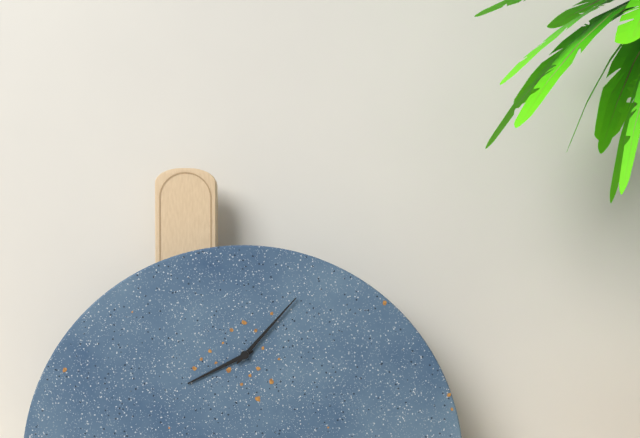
8 h 07 min
